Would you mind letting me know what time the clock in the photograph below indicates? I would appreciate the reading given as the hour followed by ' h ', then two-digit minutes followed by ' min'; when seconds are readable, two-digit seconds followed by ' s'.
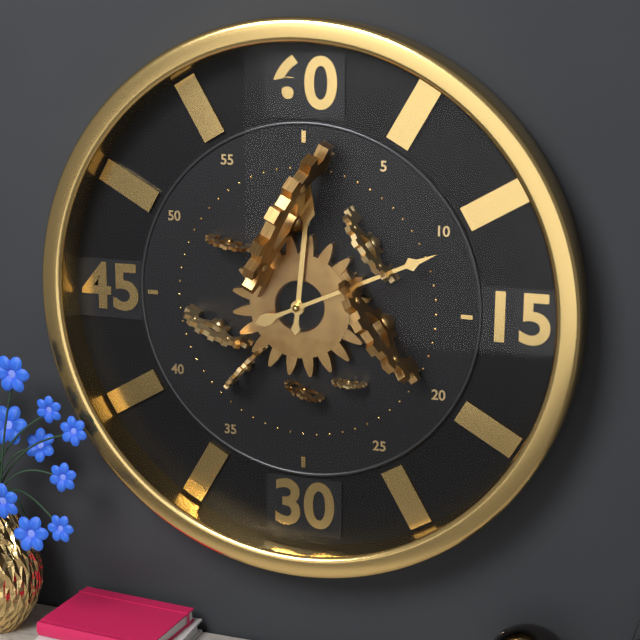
12 h 11 min
